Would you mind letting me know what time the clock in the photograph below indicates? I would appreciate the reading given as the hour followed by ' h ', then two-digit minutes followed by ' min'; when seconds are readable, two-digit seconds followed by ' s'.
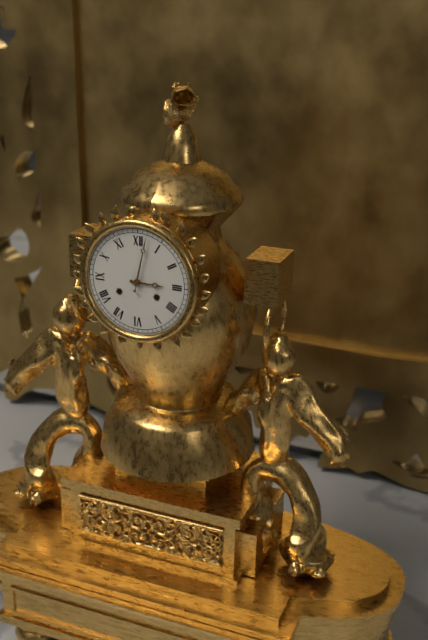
3 h 02 min
